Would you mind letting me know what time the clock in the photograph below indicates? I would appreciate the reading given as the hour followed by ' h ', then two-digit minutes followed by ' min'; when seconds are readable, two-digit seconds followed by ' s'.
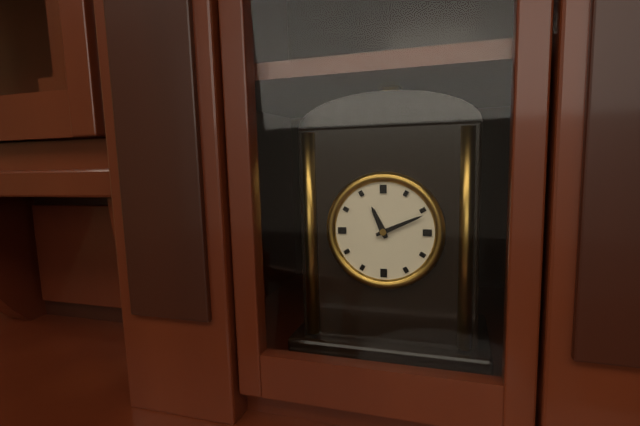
11 h 11 min
